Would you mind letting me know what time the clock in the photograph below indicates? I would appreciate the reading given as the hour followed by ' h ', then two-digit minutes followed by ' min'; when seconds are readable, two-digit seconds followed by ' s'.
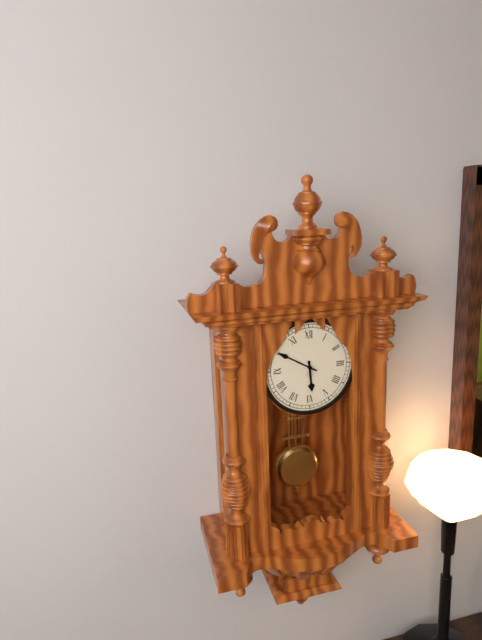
5 h 50 min
